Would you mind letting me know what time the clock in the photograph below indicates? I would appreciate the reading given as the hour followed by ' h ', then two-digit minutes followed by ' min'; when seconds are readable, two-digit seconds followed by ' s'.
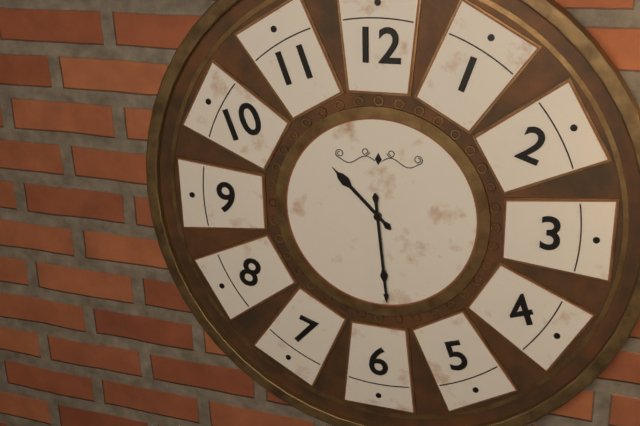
10 h 29 min
